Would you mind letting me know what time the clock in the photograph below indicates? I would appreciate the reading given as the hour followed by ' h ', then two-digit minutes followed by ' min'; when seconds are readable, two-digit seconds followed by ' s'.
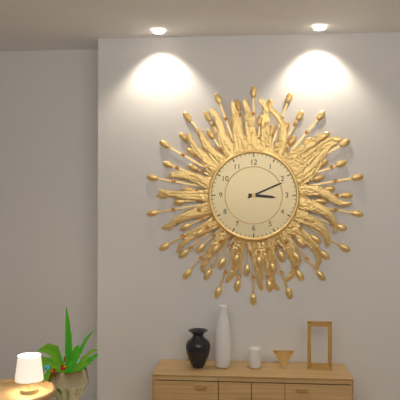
3 h 11 min
